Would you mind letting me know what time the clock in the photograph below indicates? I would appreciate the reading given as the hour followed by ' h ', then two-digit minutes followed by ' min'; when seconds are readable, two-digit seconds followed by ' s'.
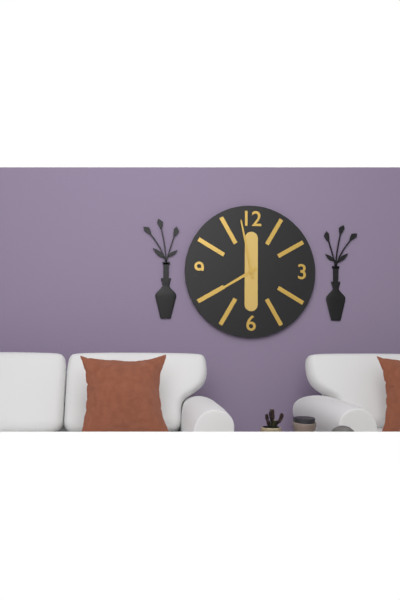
7 h 58 min
